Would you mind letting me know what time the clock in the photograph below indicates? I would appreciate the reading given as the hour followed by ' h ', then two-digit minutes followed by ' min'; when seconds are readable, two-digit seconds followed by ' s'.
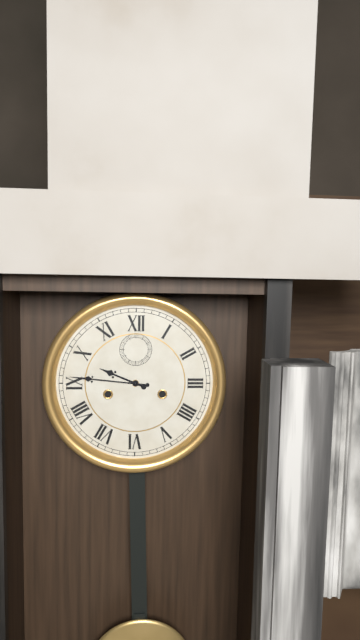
9 h 46 min
